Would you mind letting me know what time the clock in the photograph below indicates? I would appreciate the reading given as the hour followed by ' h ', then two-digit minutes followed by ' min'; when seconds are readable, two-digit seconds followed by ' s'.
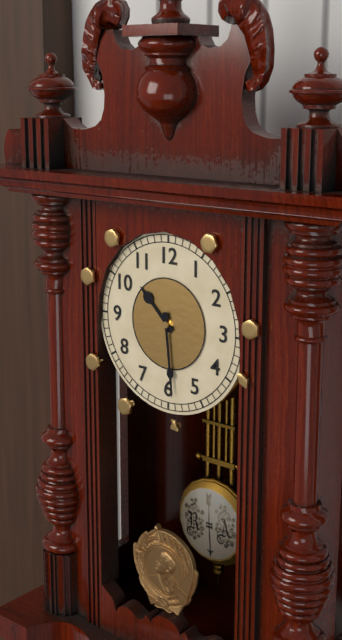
10 h 29 min
